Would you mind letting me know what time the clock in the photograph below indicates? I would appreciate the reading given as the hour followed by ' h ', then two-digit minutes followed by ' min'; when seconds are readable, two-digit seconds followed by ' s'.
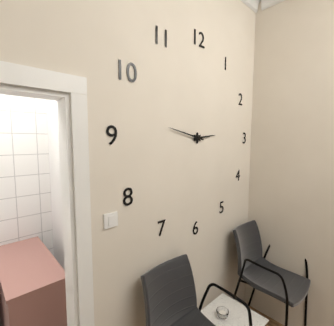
2 h 47 min
